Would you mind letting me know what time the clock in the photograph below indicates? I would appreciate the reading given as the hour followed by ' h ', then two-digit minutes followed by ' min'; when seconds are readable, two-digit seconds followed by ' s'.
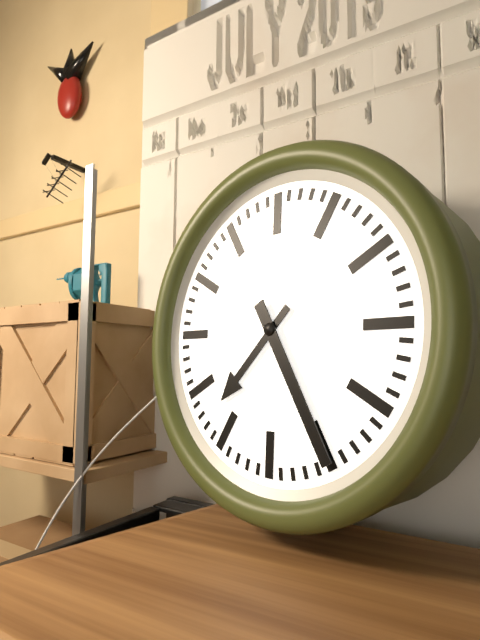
7 h 25 min
